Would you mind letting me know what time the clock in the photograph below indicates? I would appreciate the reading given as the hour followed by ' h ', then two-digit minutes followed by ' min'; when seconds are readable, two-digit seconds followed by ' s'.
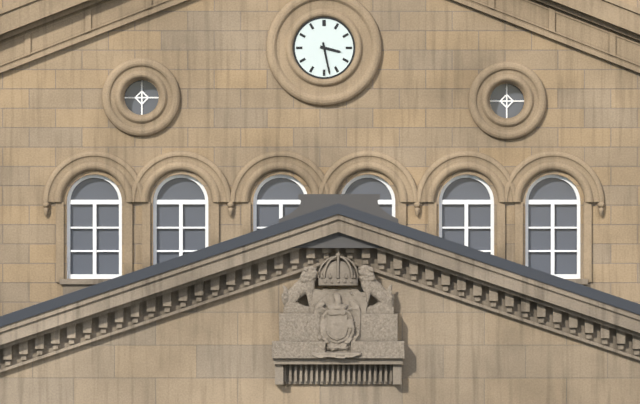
3 h 28 min
